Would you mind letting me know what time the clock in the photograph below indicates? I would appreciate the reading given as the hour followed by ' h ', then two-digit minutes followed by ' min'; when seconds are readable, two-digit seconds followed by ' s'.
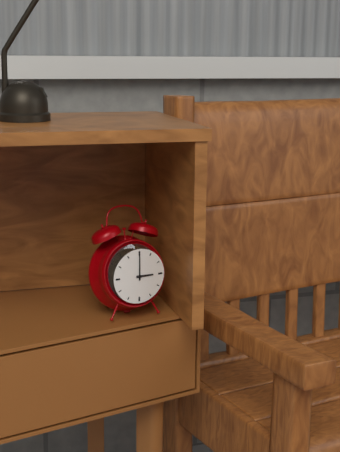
3 h 00 min
